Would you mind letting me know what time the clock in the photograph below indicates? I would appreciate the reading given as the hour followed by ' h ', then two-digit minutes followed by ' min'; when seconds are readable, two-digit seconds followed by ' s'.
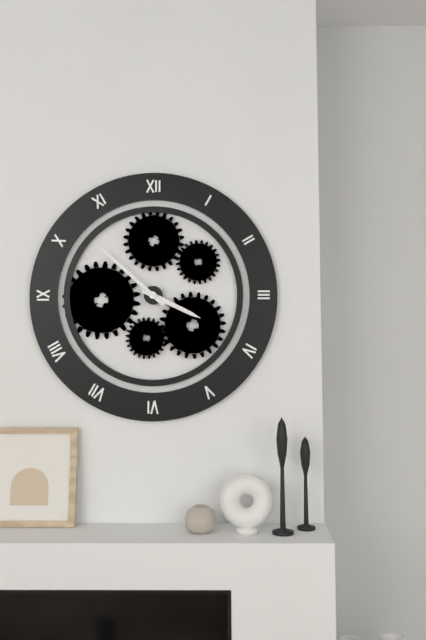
3 h 52 min
